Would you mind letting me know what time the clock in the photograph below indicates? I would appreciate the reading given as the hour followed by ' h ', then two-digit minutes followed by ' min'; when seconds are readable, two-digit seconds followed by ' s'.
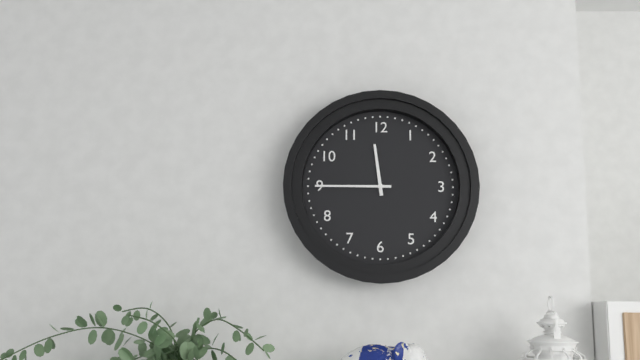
11 h 45 min
